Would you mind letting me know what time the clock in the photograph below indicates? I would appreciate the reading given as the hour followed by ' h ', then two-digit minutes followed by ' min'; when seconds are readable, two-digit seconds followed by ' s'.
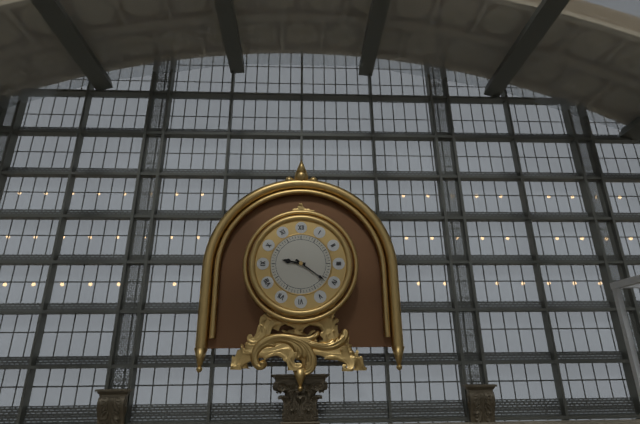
9 h 21 min
